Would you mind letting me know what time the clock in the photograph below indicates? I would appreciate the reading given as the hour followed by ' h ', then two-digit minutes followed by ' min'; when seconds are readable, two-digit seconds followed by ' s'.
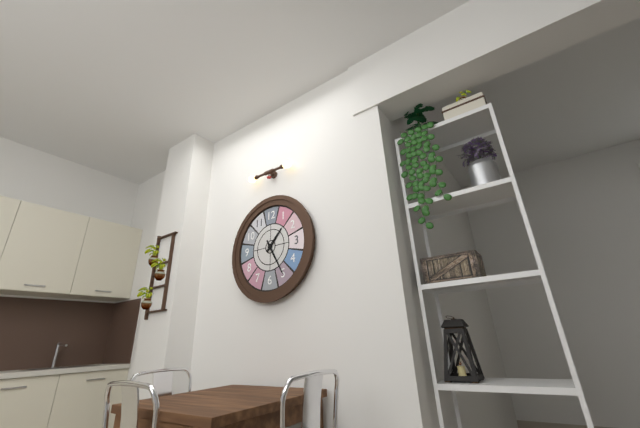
1 h 25 min
